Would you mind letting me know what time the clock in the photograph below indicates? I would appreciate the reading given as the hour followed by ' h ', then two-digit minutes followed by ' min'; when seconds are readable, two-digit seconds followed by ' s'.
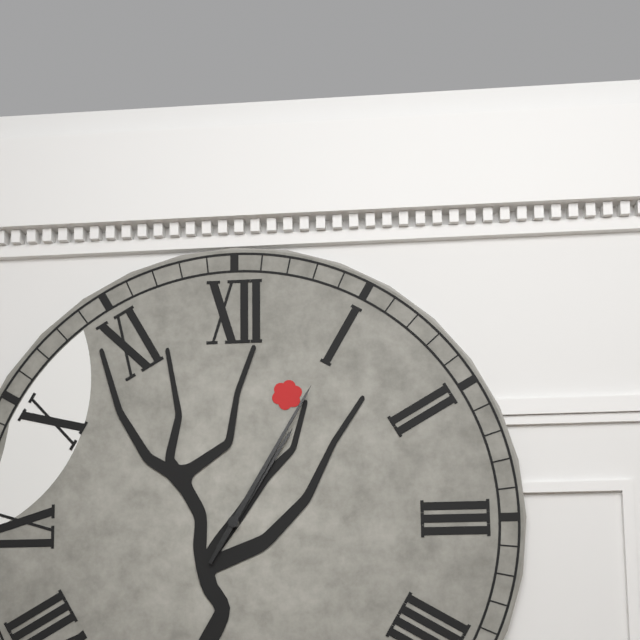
1 h 05 min
